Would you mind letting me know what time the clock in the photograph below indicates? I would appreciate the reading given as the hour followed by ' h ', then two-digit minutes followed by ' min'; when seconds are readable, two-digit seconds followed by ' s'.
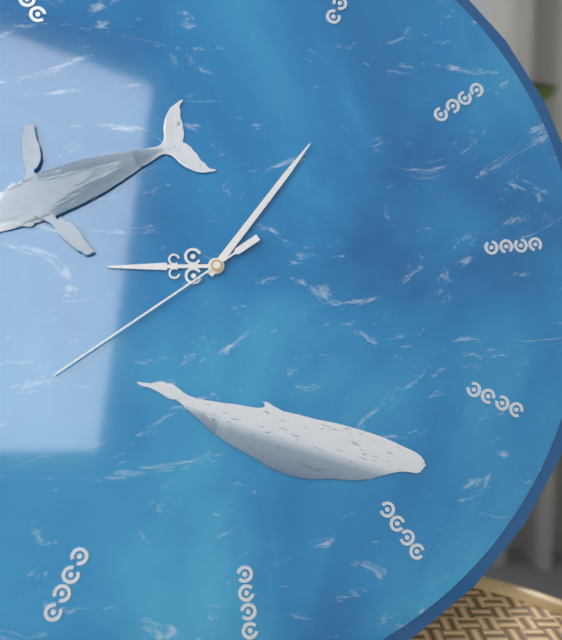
9 h 07 min 40 s
